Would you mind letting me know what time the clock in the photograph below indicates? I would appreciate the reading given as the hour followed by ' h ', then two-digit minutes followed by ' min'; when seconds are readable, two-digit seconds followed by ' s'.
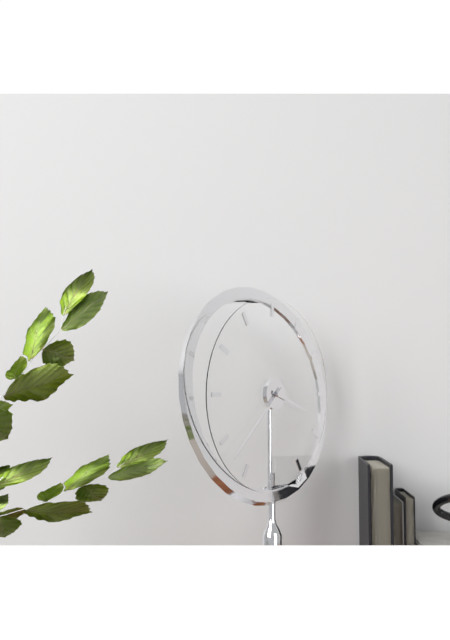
3 h 38 min
